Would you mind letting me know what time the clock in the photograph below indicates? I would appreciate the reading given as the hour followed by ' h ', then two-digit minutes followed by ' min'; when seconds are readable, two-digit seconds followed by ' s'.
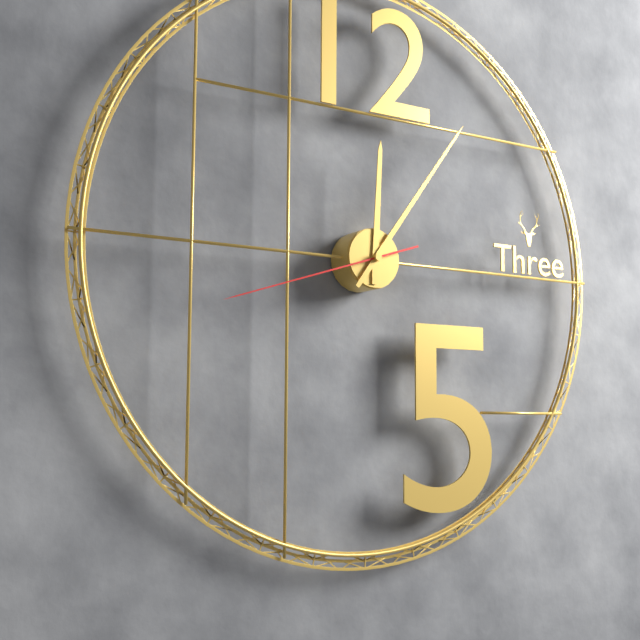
12 h 06 min 42 s
